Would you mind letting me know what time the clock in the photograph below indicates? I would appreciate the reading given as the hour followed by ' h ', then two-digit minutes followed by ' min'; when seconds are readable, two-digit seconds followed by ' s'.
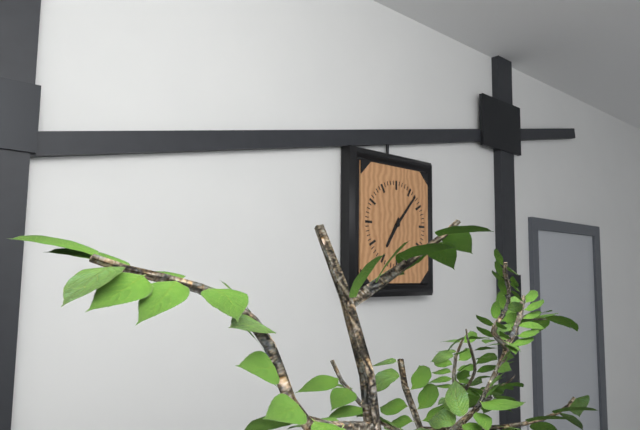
7 h 07 min
